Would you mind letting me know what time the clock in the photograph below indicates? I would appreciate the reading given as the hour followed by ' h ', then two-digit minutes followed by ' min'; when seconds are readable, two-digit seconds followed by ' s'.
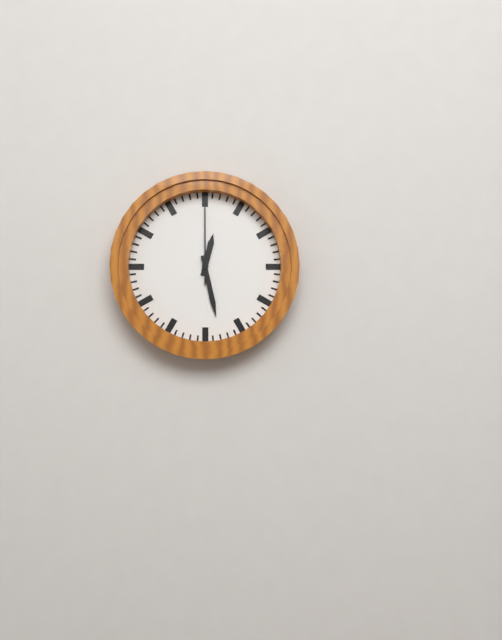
12 h 28 min 00 s
